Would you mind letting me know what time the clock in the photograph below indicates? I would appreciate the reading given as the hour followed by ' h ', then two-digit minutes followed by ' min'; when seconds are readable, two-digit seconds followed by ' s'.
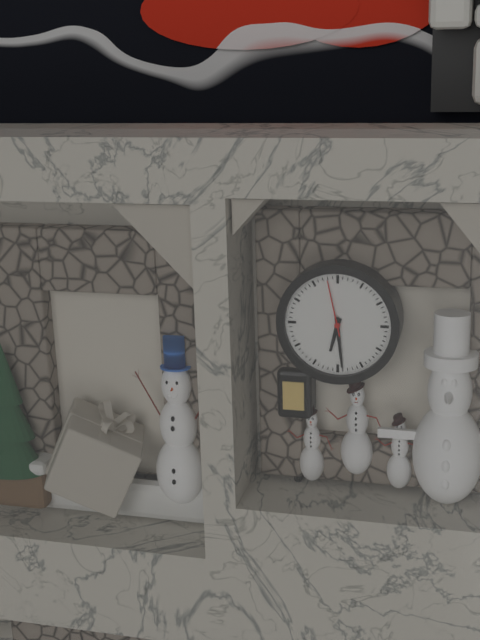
6 h 29 min 58 s
